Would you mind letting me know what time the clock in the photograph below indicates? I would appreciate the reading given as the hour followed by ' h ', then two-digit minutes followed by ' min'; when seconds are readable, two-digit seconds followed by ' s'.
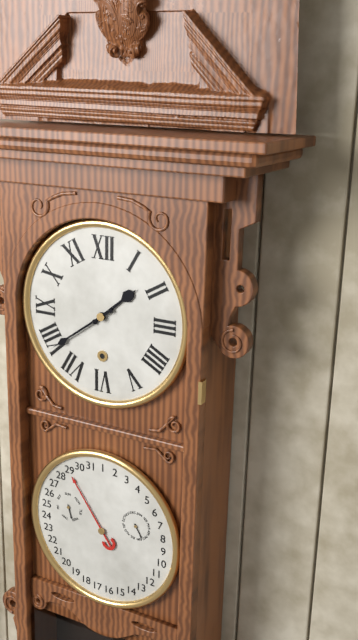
1 h 39 min
